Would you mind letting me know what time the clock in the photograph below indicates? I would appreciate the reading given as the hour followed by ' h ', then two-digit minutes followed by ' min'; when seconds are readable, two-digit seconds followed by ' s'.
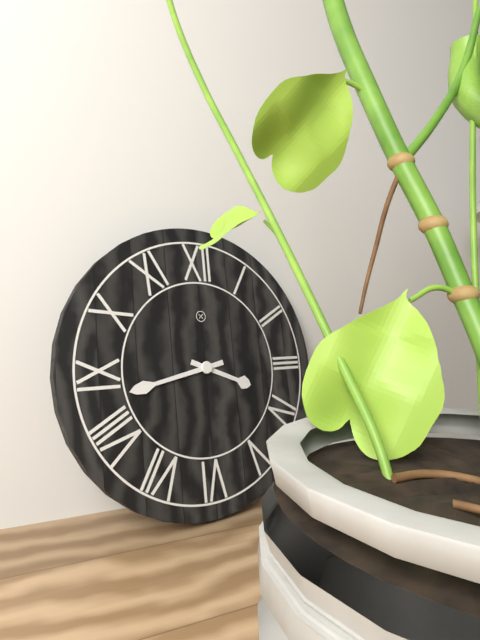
3 h 43 min
